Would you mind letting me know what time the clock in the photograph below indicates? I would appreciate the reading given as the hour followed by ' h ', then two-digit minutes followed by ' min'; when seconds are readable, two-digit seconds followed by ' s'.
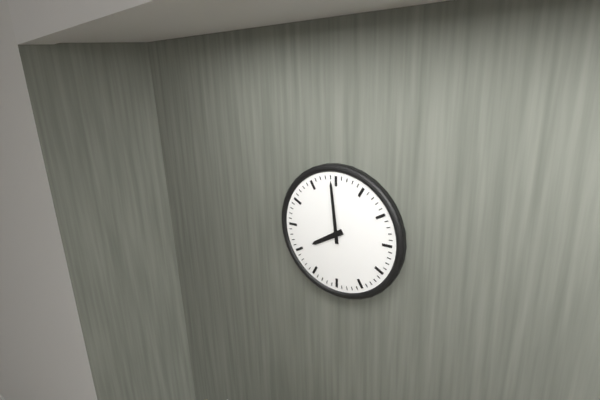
7 h 59 min
